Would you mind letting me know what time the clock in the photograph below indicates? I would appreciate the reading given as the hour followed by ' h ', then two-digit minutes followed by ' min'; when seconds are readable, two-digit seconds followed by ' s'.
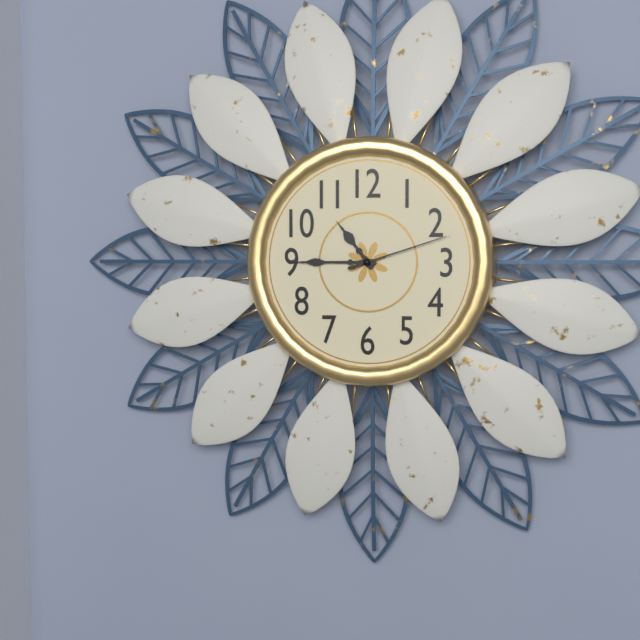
10 h 45 min 12 s
